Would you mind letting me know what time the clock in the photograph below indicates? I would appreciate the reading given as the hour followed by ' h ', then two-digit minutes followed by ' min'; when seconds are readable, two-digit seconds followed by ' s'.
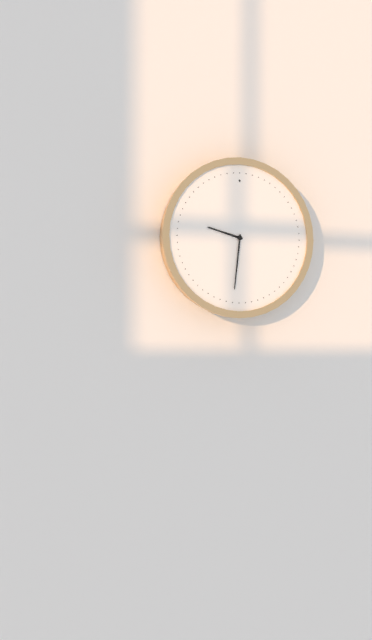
9 h 31 min
